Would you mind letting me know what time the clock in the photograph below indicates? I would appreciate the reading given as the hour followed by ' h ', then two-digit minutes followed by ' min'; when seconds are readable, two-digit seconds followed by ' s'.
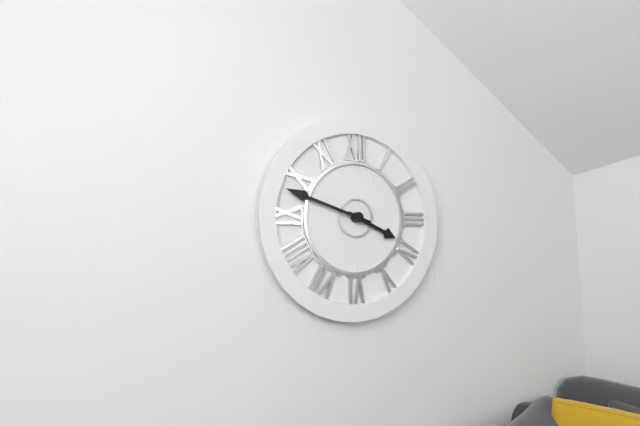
3 h 48 min
